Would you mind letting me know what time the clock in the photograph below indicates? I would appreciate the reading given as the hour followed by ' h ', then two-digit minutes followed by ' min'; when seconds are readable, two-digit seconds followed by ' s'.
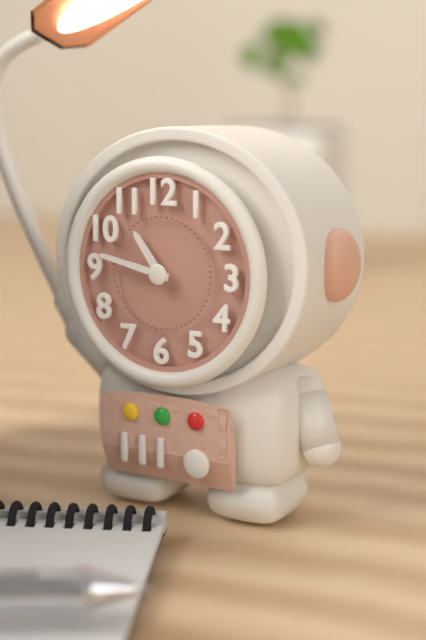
10 h 47 min
